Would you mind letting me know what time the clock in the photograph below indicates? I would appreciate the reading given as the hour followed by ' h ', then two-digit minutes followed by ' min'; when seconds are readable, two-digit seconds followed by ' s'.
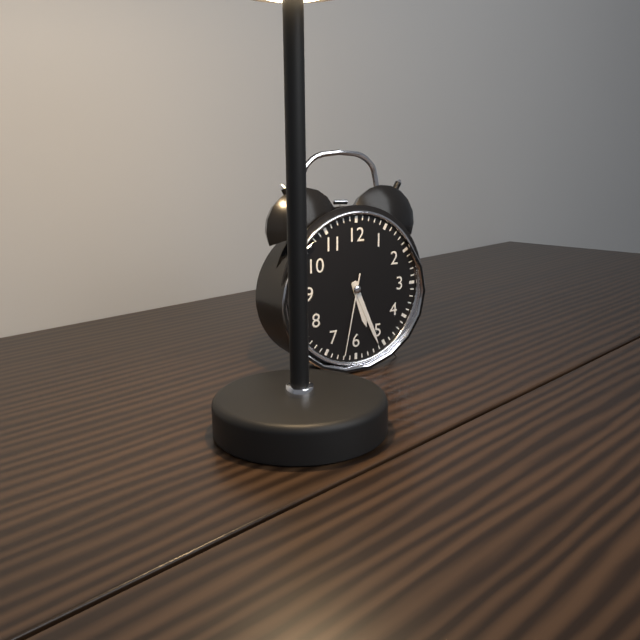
5 h 26 min 32 s
